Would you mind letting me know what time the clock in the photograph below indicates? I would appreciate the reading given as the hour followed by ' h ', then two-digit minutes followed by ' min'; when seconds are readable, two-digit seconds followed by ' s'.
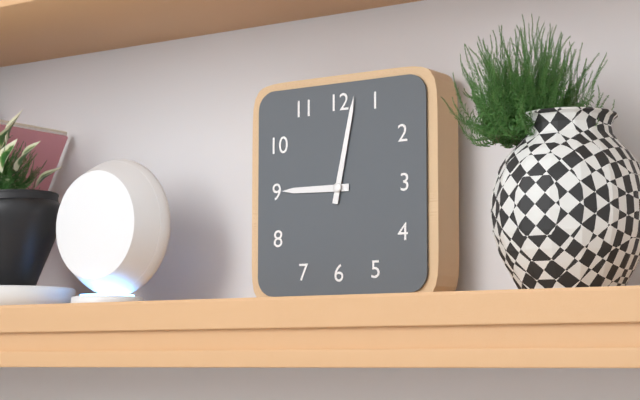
9 h 02 min
